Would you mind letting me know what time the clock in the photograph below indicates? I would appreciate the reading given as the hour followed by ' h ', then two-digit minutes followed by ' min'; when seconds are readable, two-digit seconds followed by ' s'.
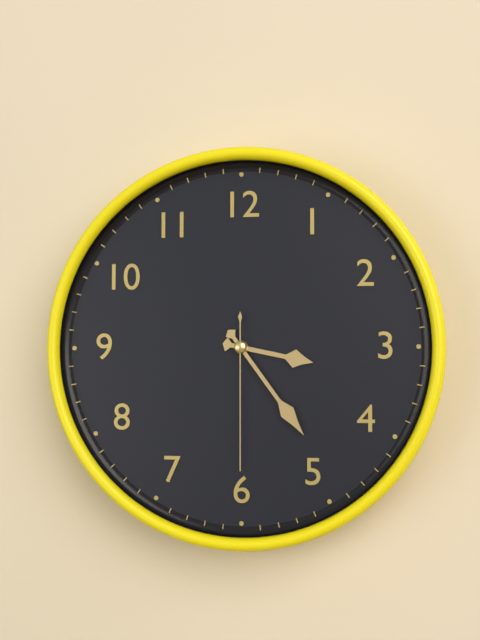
3 h 24 min 30 s
